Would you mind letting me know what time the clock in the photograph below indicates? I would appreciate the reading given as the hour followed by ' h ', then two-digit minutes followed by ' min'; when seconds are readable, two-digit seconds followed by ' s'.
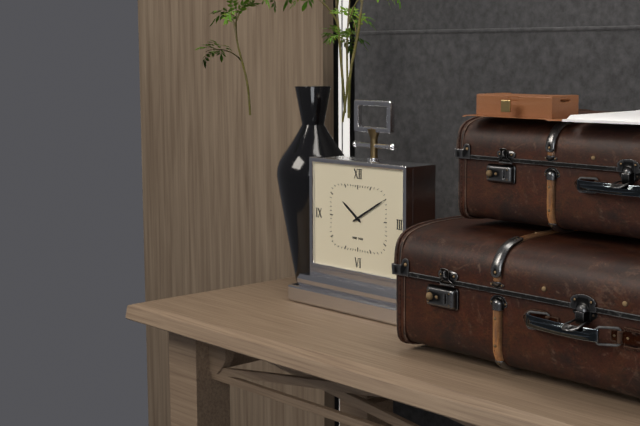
10 h 10 min
